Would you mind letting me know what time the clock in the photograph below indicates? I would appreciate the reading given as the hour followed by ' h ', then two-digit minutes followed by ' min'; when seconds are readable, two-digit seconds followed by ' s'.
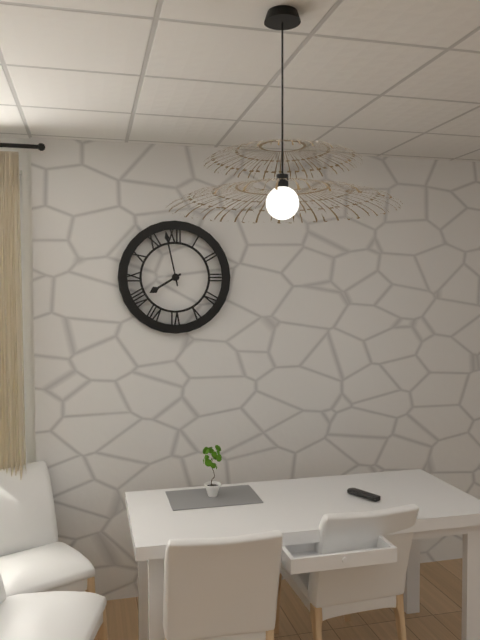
7 h 58 min
